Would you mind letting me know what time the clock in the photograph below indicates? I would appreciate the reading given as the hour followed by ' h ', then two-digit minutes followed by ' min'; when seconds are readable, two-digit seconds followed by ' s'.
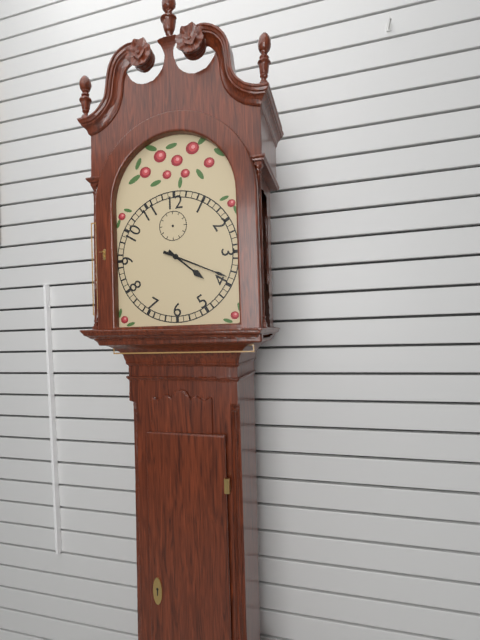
4 h 19 min
